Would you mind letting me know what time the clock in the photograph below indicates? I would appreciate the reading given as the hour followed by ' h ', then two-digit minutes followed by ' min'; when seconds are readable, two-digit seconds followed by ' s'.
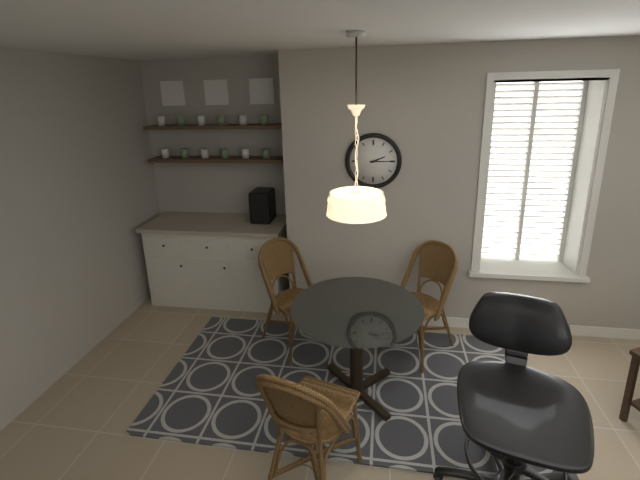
2 h 15 min
